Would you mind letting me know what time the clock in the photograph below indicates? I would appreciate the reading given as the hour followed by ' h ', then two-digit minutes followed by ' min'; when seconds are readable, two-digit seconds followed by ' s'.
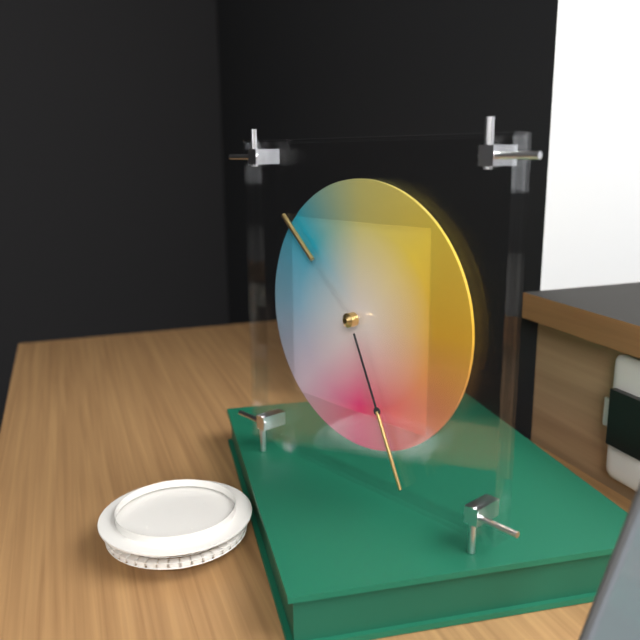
10 h 26 min
